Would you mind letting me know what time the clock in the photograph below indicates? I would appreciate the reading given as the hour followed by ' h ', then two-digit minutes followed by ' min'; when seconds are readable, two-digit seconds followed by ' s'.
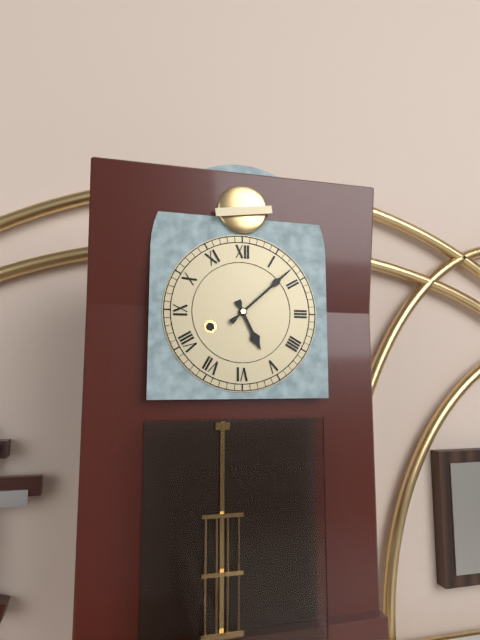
5 h 08 min
